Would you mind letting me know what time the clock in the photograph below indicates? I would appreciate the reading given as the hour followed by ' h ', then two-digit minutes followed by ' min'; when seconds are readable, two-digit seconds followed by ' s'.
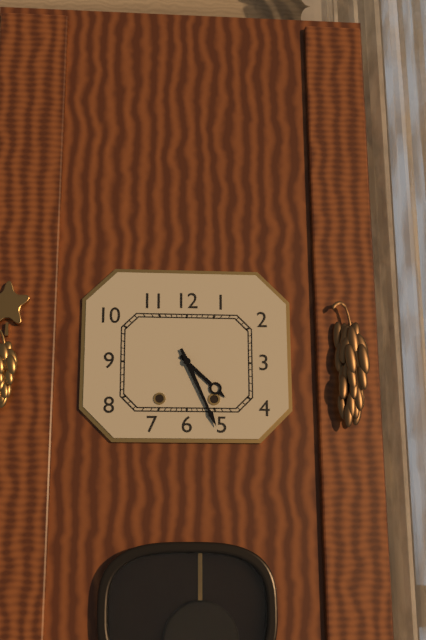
4 h 26 min
